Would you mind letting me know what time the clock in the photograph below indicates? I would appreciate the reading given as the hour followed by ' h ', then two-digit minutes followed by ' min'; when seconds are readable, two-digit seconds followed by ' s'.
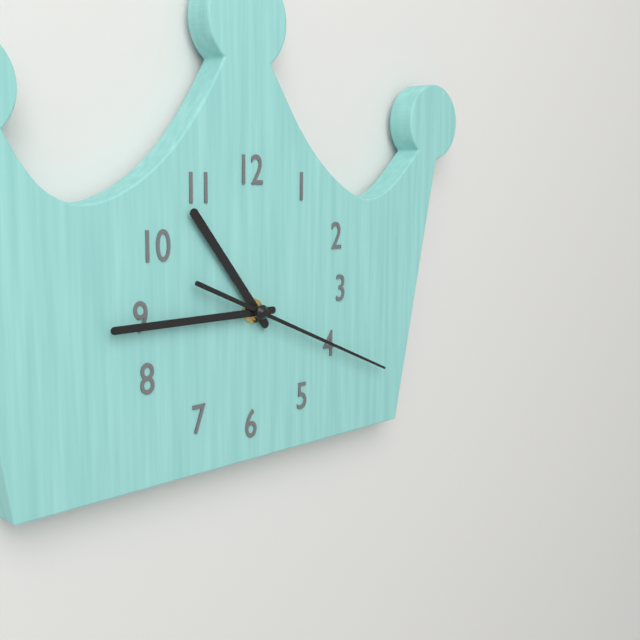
10 h 45 min 19 s
